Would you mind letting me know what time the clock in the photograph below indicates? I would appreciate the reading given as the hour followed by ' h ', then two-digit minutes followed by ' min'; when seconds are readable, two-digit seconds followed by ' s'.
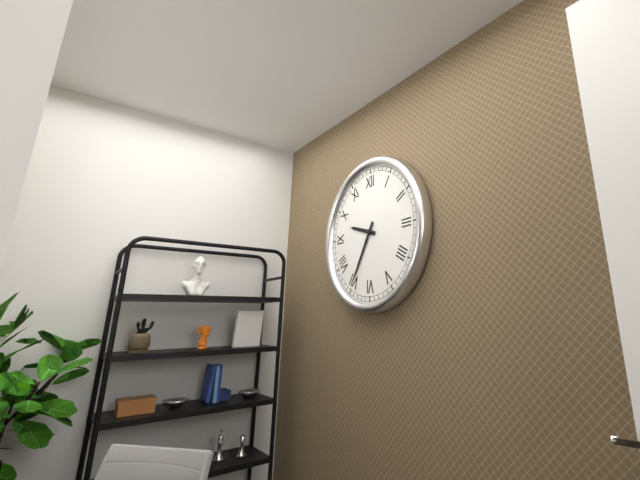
9 h 35 min
